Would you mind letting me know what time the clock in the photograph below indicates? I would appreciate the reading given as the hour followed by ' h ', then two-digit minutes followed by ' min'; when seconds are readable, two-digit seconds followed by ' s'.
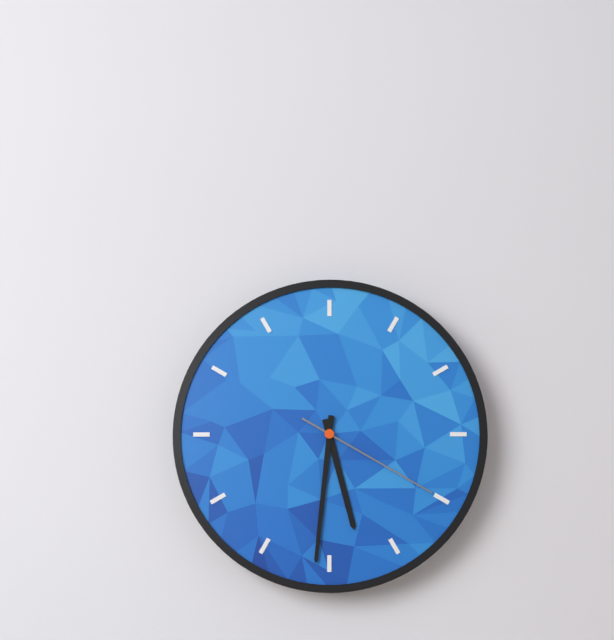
5 h 31 min 20 s
